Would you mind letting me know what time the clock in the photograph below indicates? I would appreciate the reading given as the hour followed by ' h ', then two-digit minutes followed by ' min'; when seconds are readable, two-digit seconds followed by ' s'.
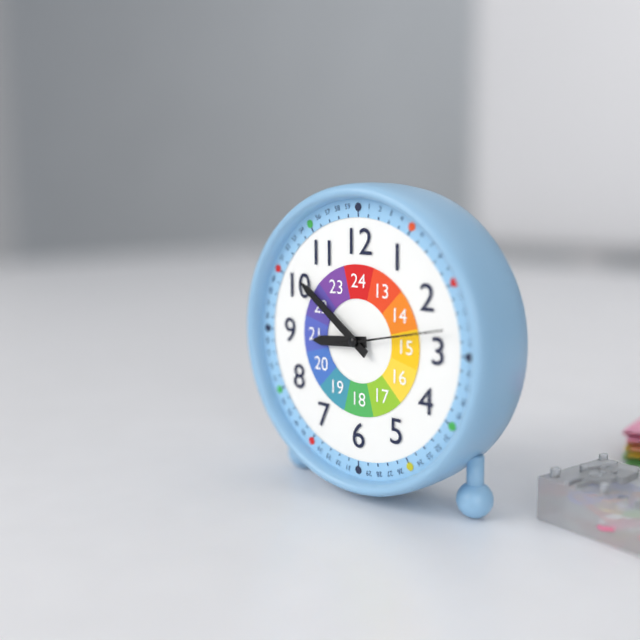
8 h 51 min 13 s
